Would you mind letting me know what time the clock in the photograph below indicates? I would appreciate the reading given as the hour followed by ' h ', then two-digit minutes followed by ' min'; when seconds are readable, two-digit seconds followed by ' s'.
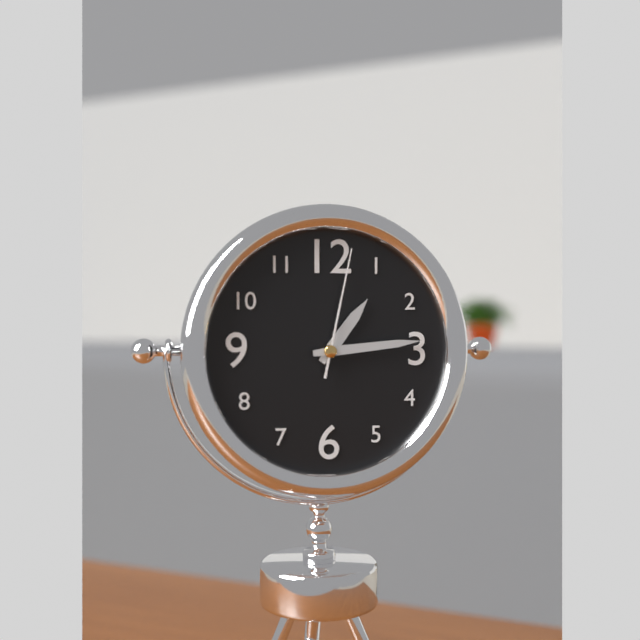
1 h 14 min 02 s
